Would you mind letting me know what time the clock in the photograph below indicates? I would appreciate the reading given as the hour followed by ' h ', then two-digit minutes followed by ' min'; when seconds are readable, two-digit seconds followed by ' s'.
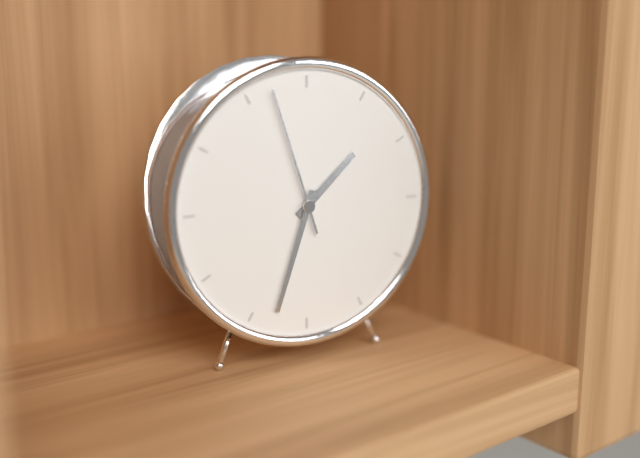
1 h 33 min 57 s
